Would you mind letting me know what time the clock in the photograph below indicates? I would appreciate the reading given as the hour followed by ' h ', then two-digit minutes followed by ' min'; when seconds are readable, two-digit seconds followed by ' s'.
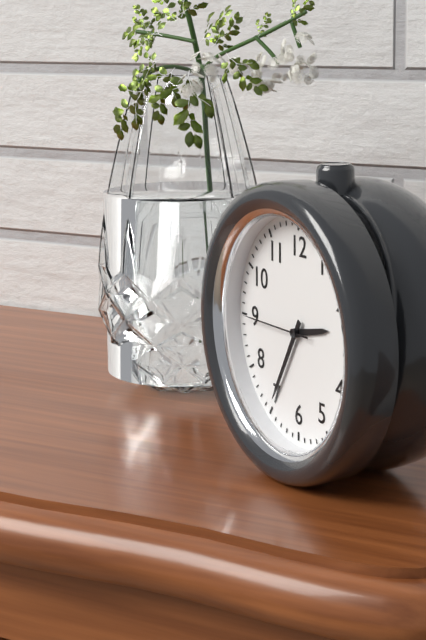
2 h 35 min 45 s
